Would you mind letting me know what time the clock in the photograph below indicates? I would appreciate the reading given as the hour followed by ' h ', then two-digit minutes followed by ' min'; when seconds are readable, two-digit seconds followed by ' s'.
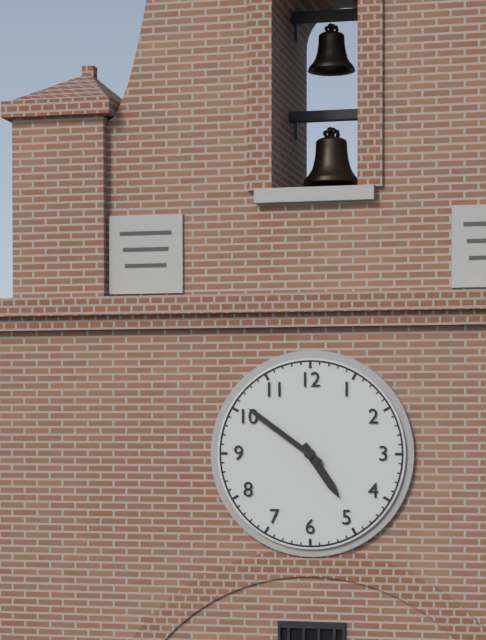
4 h 51 min
